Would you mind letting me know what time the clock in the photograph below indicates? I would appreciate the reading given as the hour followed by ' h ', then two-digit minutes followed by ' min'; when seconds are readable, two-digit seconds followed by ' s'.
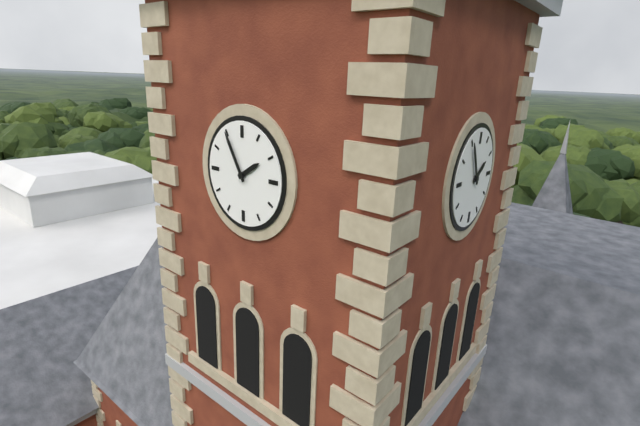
1 h 55 min
